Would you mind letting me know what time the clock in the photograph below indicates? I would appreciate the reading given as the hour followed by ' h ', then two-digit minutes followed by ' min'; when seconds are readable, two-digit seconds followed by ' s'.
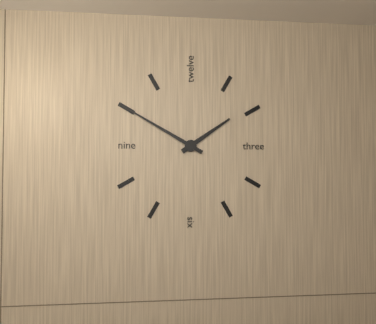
1 h 50 min
